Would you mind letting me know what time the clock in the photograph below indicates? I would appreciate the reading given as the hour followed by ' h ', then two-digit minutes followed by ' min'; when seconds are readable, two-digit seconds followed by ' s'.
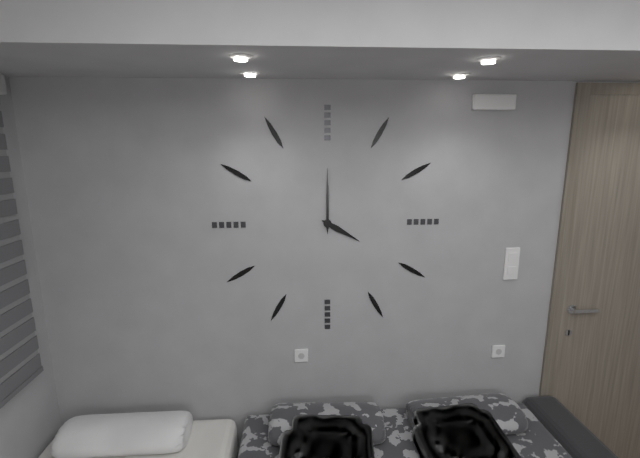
4 h 00 min
